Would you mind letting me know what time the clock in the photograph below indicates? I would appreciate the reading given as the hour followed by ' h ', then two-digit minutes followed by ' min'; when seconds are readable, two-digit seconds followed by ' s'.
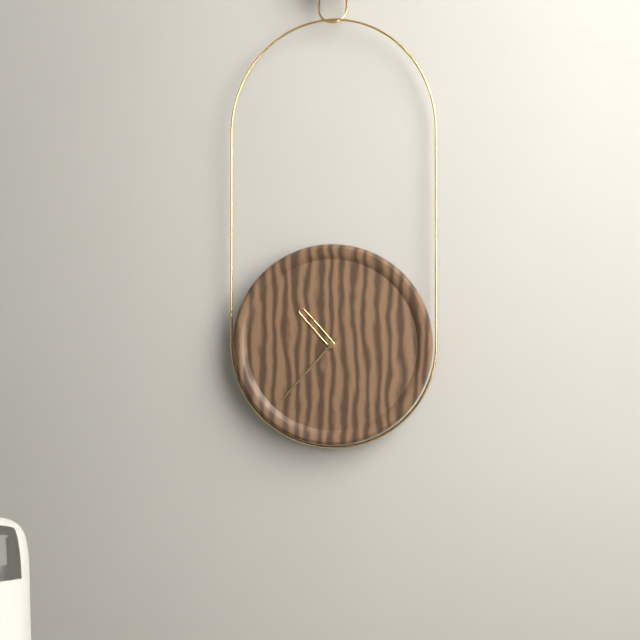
10 h 37 min
